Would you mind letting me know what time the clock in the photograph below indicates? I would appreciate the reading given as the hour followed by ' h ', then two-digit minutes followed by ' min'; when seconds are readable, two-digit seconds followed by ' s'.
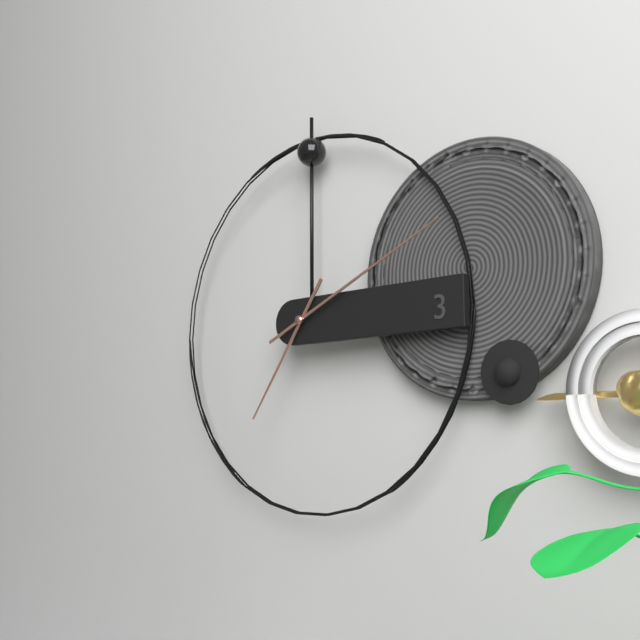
7 h 11 min
